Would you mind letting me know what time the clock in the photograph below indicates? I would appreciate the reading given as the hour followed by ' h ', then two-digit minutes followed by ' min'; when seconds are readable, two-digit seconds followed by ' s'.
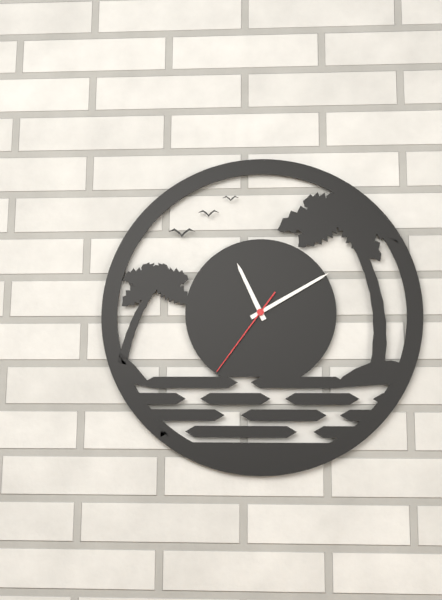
11 h 10 min 36 s
